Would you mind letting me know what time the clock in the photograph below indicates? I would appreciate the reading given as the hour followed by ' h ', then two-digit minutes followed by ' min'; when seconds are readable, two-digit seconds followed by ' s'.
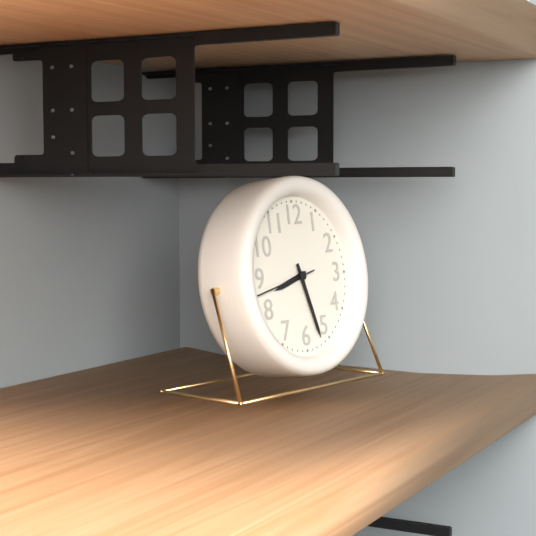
8 h 27 min 43 s
